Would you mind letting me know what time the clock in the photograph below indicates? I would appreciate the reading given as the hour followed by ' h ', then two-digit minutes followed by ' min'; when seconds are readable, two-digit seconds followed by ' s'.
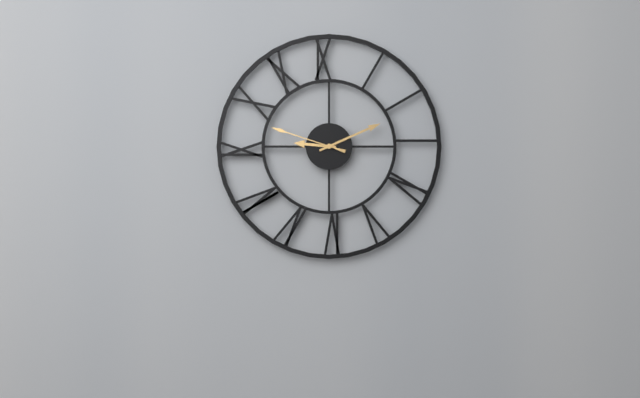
9 h 11 min 48 s
